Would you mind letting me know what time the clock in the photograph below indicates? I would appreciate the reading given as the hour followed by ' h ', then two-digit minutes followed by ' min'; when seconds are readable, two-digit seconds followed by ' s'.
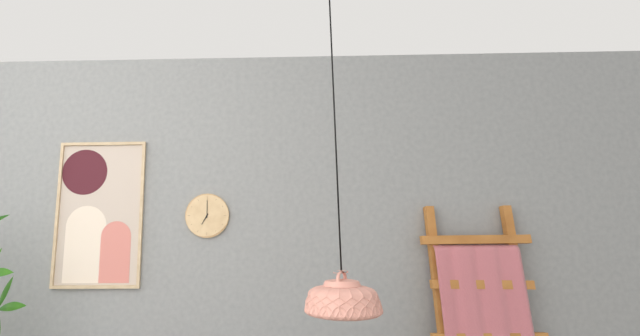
7 h 00 min
